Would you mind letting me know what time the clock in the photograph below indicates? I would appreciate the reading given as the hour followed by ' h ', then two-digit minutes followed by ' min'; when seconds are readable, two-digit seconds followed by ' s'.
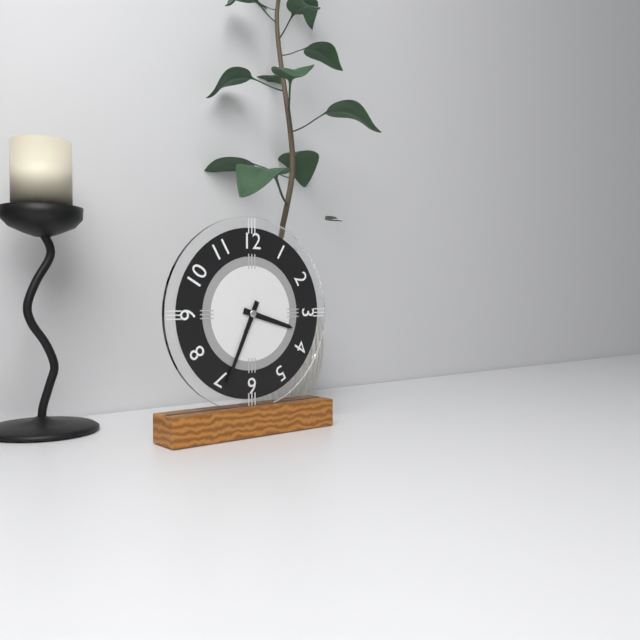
3 h 34 min
